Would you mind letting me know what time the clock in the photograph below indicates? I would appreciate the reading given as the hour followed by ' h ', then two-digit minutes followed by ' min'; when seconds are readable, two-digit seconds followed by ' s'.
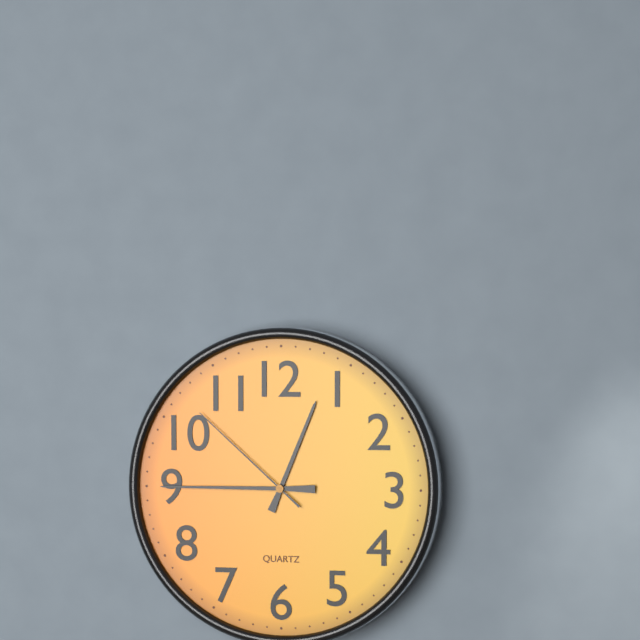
12 h 45 min 52 s
